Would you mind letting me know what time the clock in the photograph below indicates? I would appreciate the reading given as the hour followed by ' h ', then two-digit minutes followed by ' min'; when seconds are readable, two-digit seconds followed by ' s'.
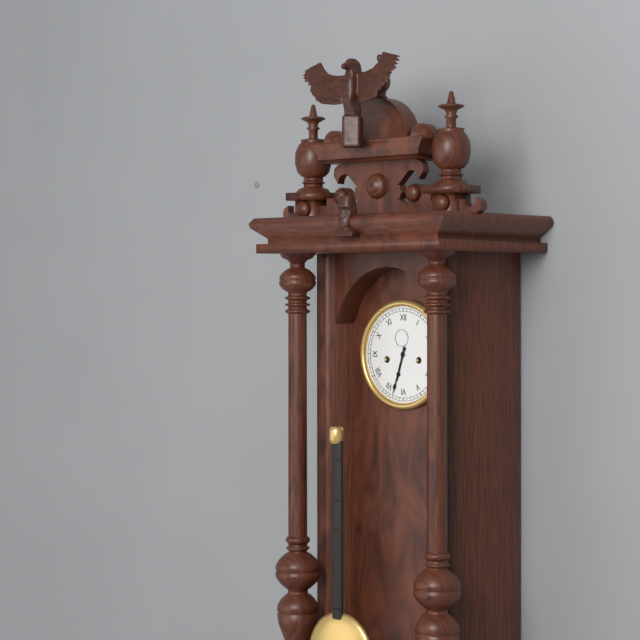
6 h 33 min
